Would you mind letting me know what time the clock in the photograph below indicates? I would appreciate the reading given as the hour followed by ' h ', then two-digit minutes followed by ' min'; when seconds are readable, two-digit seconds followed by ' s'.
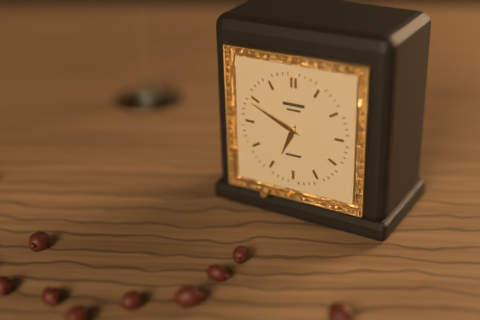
6 h 49 min
